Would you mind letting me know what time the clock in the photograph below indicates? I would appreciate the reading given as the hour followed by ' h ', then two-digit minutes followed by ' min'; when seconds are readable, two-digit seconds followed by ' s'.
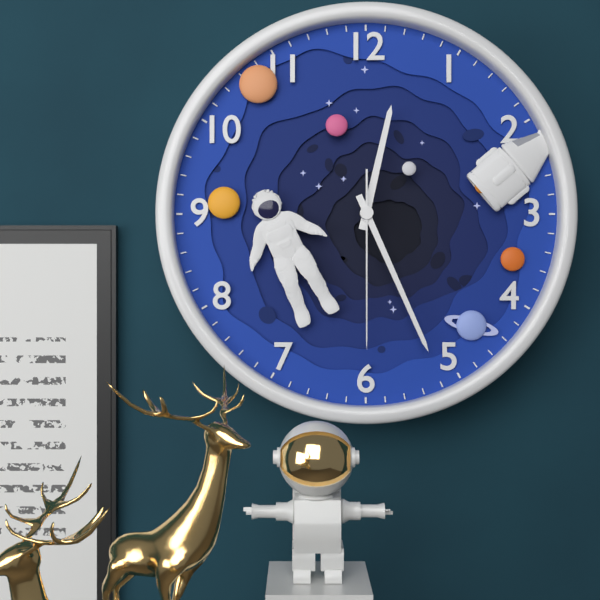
12 h 26 min 30 s
